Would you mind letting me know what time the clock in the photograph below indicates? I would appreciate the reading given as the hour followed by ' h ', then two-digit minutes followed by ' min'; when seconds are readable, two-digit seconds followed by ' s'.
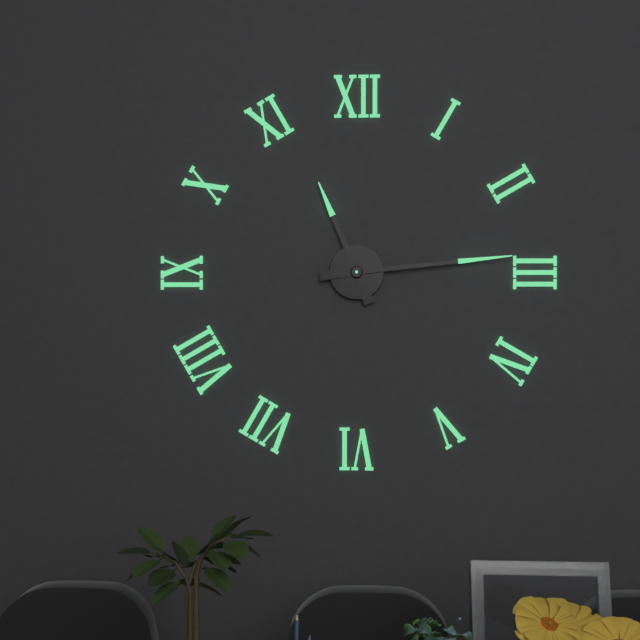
11 h 14 min
